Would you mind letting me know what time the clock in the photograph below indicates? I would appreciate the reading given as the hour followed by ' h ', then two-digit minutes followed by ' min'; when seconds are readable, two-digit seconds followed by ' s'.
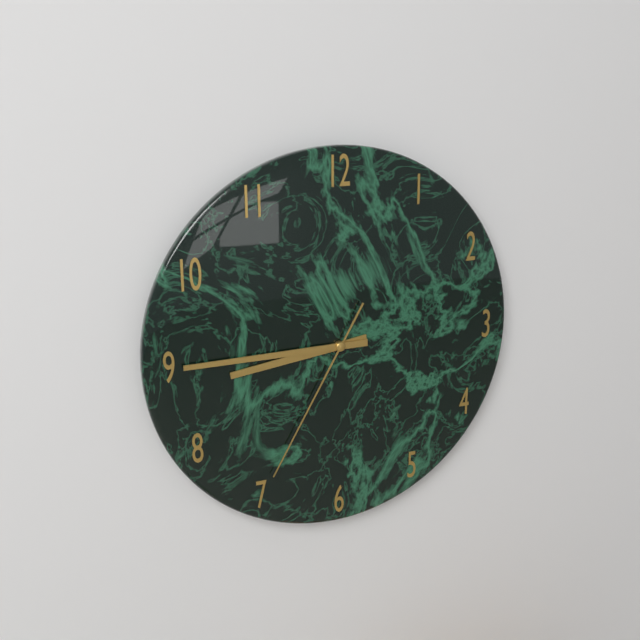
8 h 45 min 35 s
